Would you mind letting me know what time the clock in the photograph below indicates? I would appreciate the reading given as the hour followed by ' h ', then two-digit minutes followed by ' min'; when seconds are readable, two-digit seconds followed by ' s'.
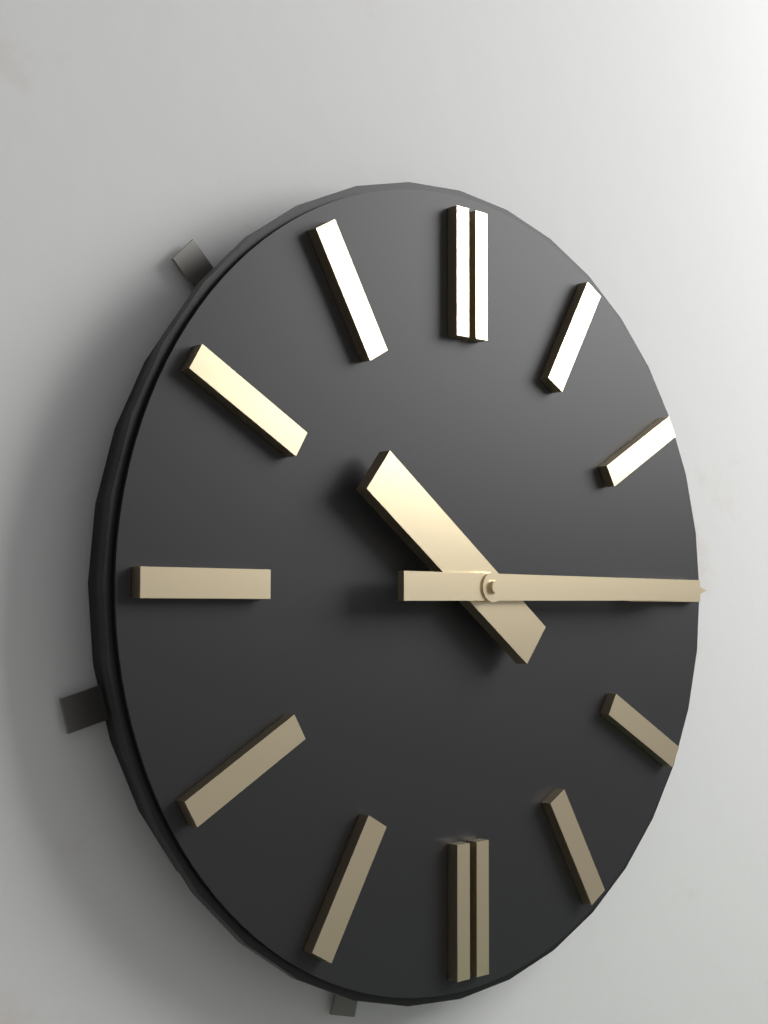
10 h 15 min
